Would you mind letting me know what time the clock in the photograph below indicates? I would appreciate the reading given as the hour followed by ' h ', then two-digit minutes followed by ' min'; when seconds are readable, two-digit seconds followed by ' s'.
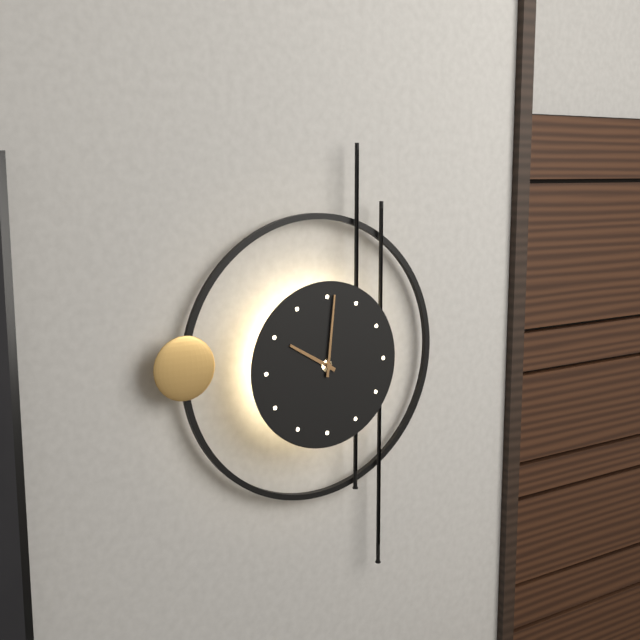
10 h 01 min
